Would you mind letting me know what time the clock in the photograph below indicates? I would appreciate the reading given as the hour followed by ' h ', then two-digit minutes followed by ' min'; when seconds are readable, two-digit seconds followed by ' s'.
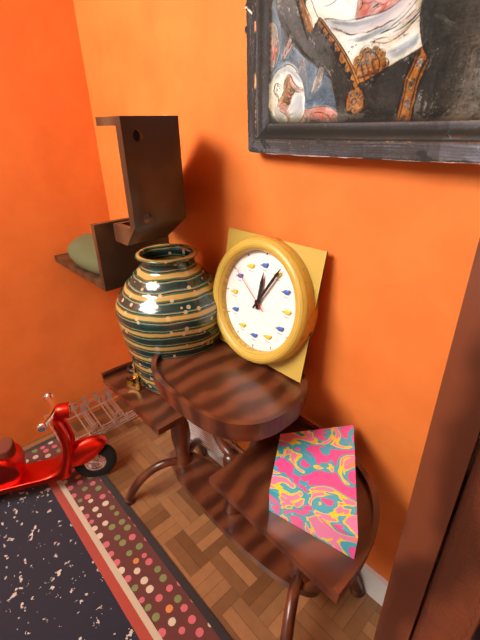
12 h 05 min 51 s
